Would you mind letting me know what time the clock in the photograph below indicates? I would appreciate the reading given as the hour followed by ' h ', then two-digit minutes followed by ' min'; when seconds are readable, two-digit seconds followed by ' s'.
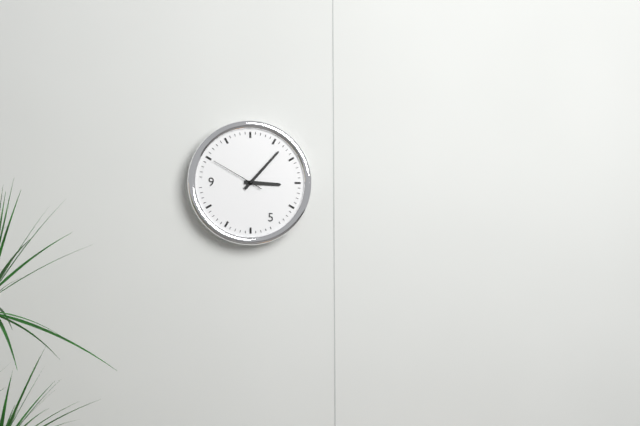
3 h 07 min 50 s
